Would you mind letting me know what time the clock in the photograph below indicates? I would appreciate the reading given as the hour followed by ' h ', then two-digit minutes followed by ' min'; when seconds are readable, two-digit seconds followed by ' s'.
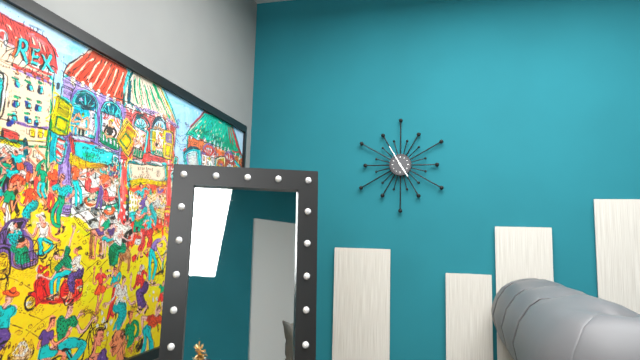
4 h 55 min
